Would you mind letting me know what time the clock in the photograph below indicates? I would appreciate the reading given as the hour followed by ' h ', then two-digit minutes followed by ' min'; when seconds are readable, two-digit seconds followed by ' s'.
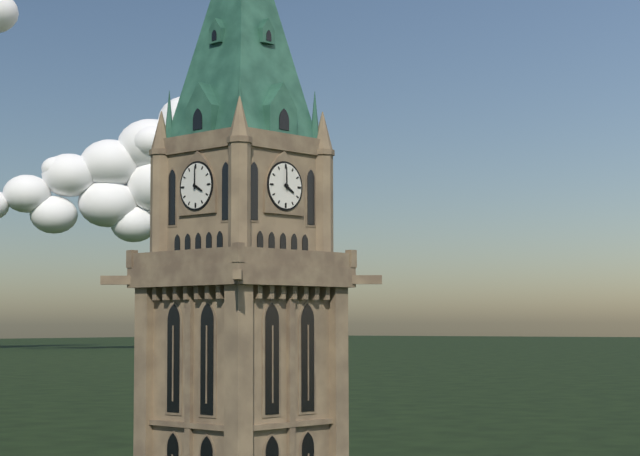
4 h 00 min
